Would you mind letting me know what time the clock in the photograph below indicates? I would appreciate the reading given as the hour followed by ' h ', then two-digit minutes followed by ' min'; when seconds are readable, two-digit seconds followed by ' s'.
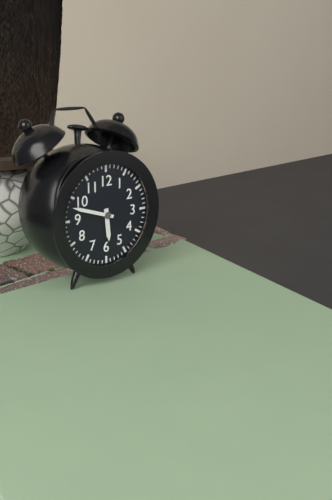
5 h 48 min
